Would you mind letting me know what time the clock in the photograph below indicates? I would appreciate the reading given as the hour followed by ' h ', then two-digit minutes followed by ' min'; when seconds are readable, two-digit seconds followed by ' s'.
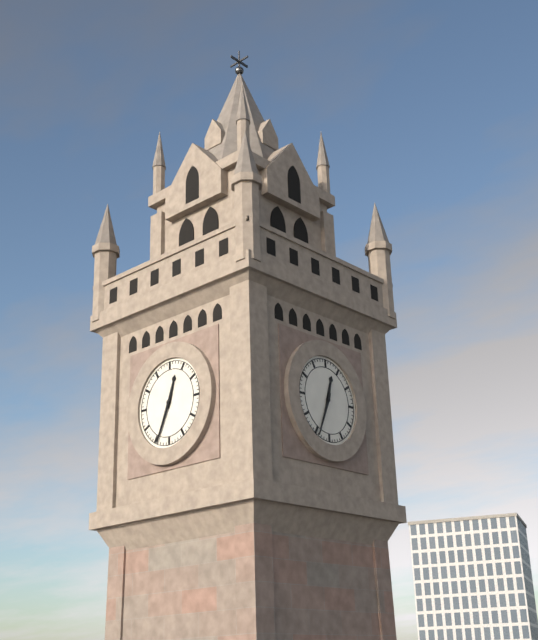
12 h 34 min
